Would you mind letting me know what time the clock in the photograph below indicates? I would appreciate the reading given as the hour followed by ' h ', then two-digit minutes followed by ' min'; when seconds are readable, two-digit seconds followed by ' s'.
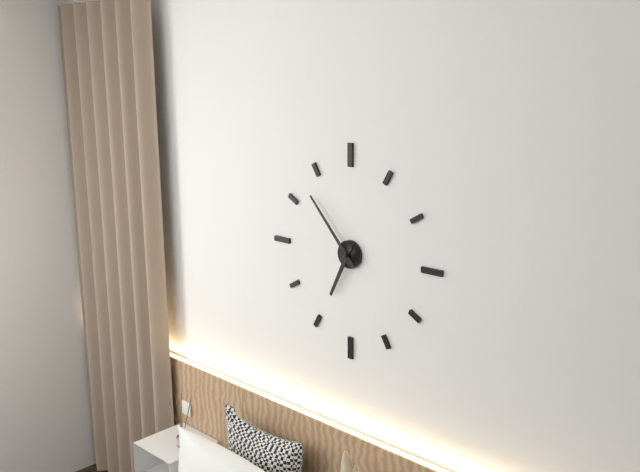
6 h 53 min
